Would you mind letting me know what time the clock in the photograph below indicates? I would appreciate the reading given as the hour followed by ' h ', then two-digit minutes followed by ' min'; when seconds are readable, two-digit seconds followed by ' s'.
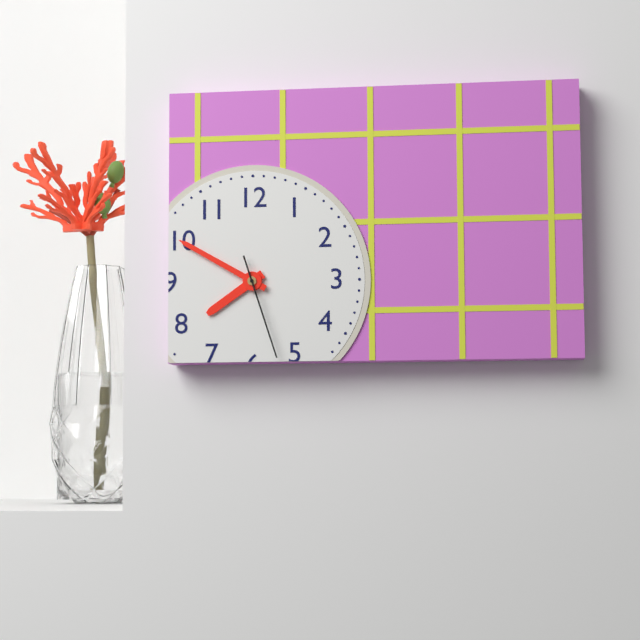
7 h 50 min 27 s
